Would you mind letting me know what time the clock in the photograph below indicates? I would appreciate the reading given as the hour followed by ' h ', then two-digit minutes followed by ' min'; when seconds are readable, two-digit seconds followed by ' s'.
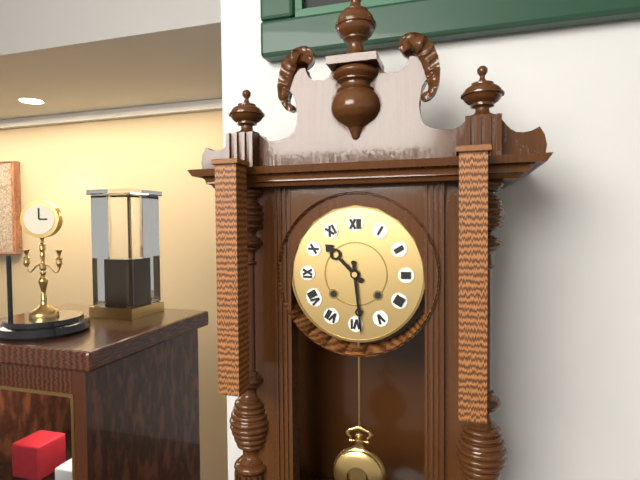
10 h 29 min
